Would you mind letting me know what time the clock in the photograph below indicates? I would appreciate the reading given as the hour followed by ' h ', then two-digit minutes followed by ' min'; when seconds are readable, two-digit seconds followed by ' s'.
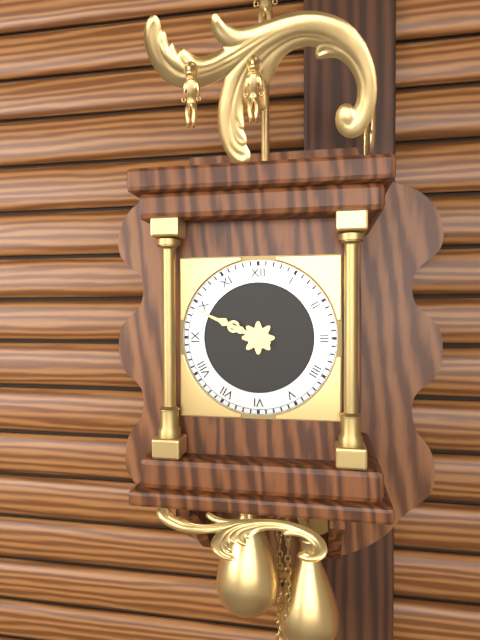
9 h 49 min
